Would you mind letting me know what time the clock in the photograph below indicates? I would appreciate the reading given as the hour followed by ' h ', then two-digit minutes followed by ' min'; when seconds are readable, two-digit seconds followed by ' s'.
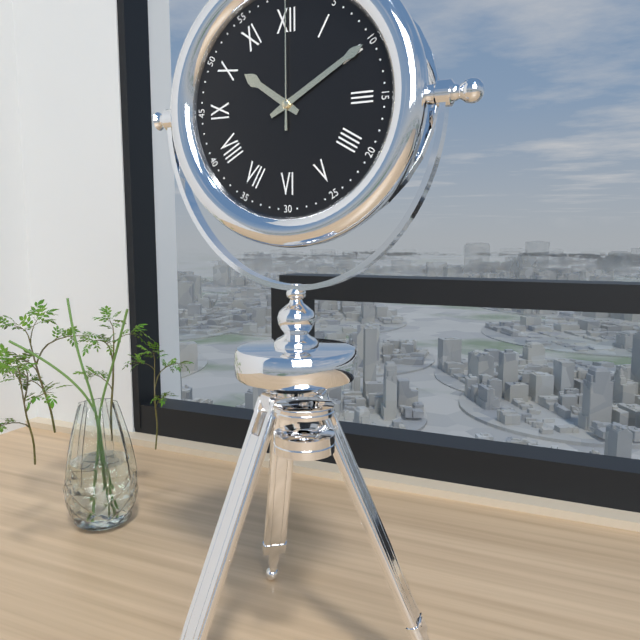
10 h 10 min
